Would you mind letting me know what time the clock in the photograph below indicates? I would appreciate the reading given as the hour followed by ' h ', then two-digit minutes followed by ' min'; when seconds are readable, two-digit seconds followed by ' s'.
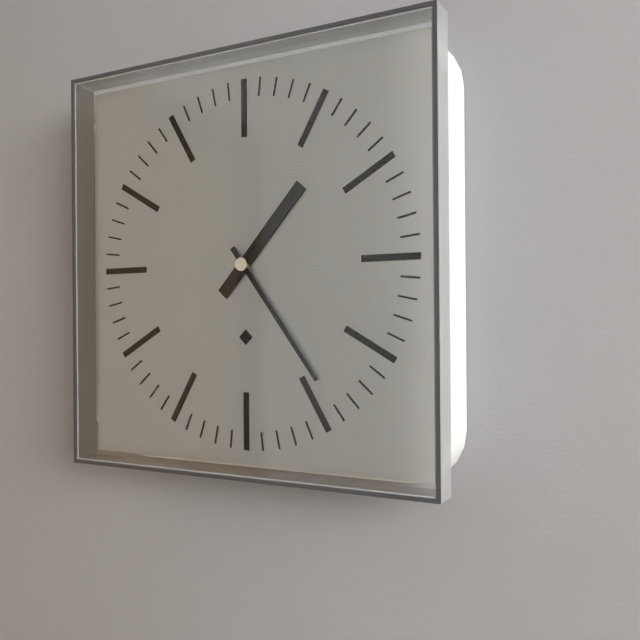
1 h 24 min
